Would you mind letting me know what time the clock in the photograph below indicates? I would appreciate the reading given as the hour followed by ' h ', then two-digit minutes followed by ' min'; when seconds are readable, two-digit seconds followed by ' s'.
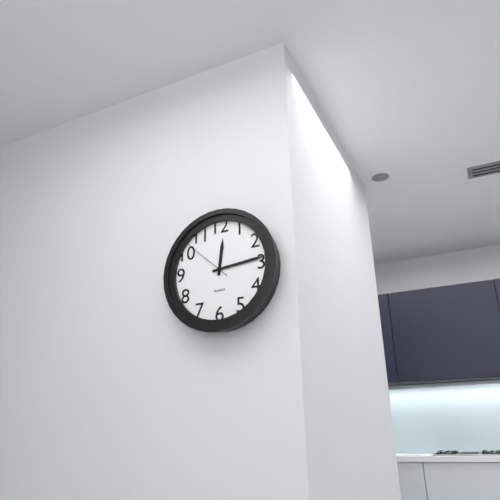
12 h 14 min 52 s
